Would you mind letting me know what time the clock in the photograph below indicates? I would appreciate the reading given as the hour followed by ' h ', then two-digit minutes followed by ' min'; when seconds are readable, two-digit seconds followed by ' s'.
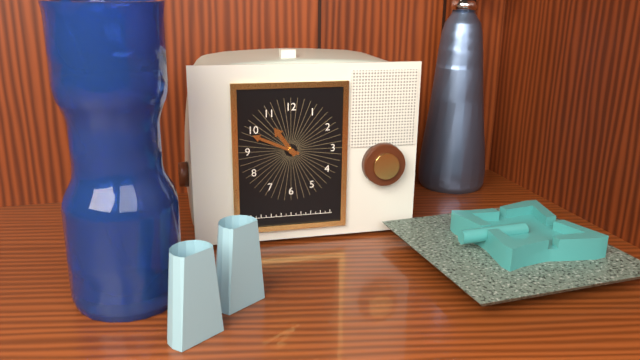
10 h 49 min
